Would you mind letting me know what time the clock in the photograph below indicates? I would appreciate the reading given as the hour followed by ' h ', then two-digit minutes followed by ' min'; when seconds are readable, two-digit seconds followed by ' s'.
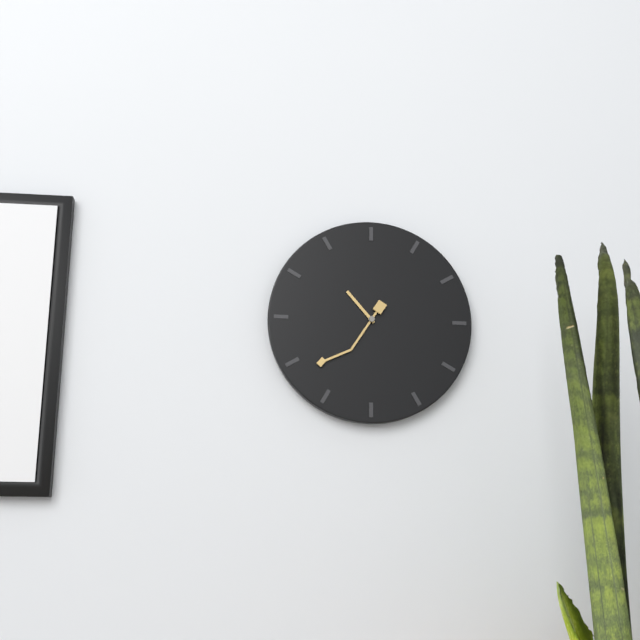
10 h 38 min
